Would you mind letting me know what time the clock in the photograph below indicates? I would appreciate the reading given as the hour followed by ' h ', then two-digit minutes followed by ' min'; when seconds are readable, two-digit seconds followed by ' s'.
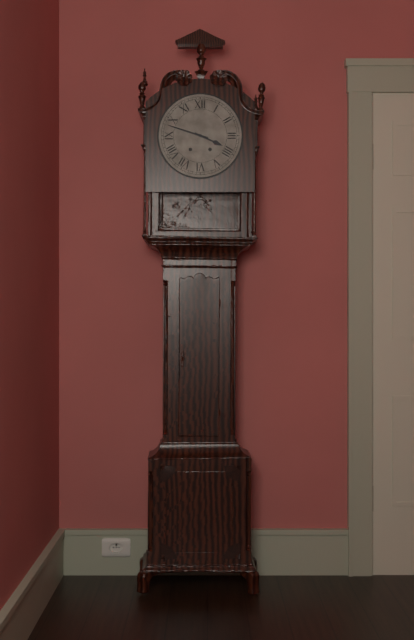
3 h 48 min
